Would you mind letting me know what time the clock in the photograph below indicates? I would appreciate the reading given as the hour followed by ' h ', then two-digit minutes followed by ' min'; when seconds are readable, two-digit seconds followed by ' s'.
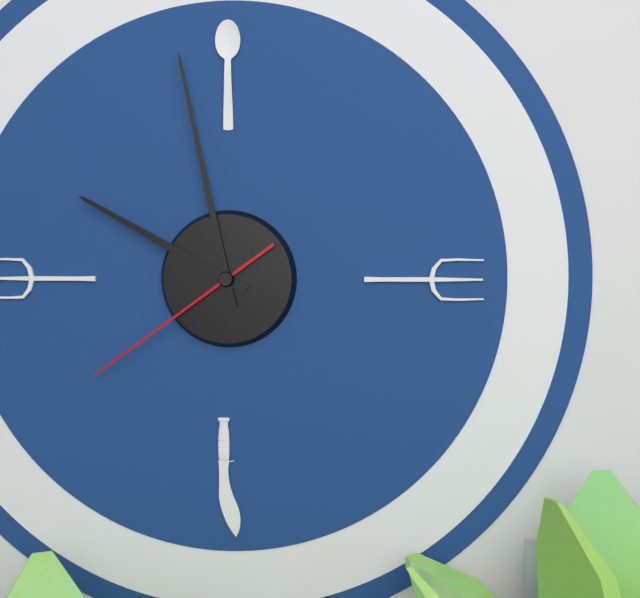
9 h 58 min 39 s
